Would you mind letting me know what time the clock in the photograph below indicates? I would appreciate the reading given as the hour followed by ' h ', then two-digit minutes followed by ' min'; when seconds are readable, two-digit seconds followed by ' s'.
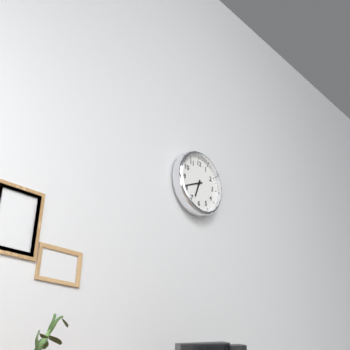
6 h 41 min
